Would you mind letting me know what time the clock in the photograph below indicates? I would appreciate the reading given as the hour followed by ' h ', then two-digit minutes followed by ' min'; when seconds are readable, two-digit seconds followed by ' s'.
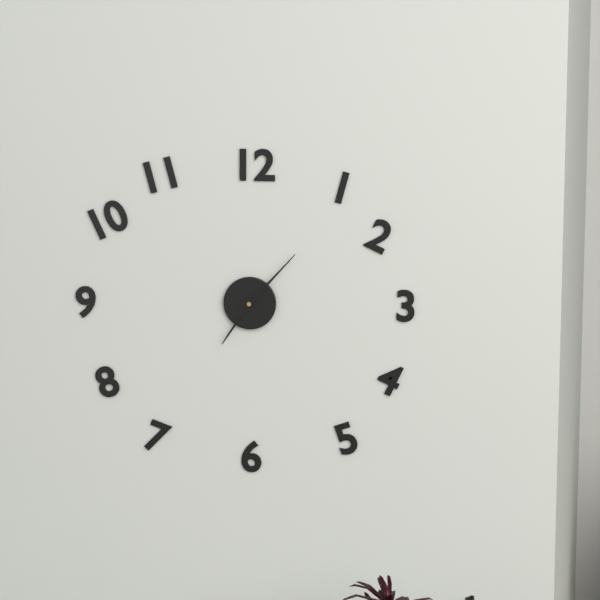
7 h 07 min
